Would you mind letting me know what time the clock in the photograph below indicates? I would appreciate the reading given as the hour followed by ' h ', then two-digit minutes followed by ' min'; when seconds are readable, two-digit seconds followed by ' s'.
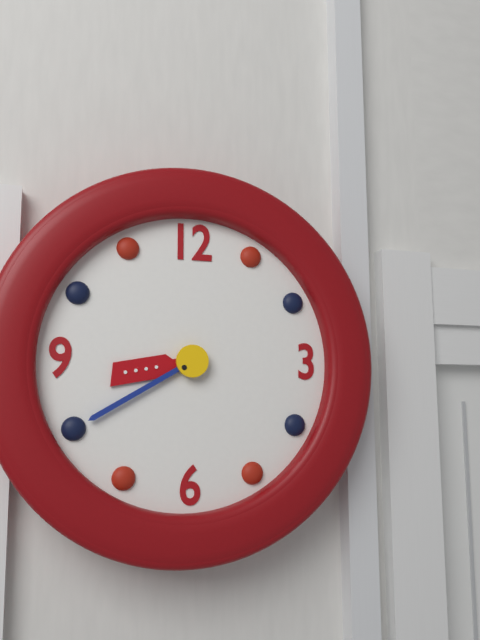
8 h 40 min
